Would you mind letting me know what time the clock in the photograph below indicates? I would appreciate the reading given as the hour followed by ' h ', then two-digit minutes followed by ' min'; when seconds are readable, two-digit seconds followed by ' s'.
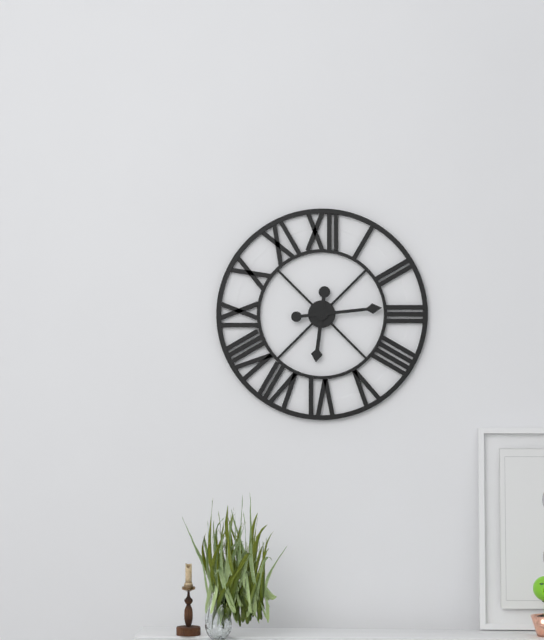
6 h 14 min
